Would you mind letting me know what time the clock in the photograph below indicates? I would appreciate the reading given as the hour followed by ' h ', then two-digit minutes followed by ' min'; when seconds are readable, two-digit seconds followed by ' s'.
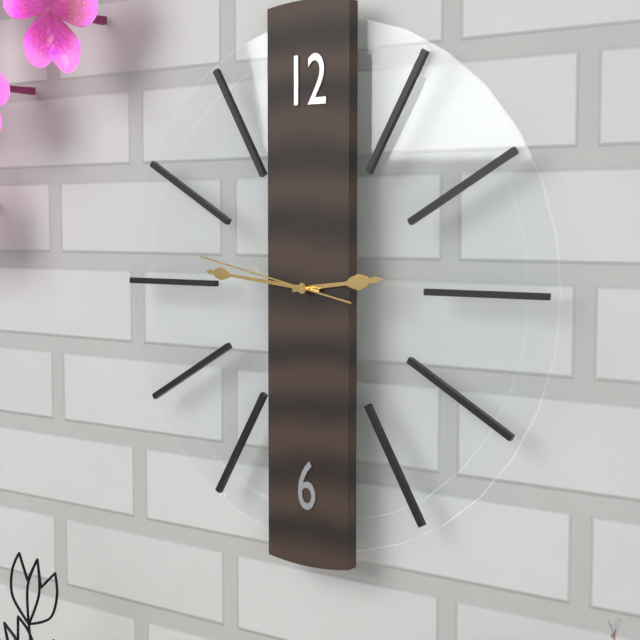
2 h 46 min 47 s
